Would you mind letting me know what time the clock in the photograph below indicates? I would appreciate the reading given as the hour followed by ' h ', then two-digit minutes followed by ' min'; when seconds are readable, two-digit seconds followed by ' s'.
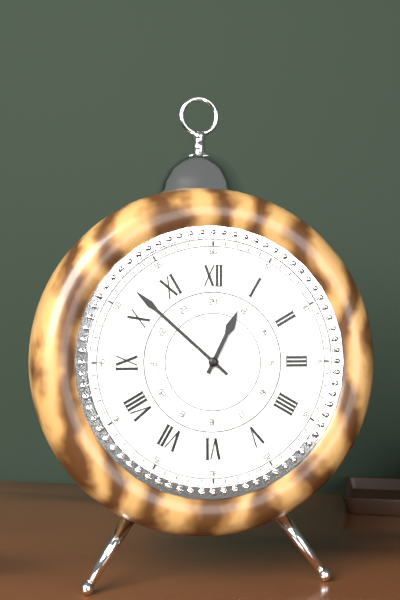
12 h 52 min
